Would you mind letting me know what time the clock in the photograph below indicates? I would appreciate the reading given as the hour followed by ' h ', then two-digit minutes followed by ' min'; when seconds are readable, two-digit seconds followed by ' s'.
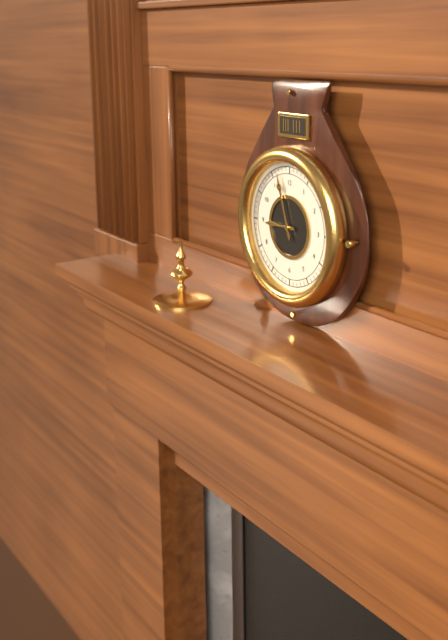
8 h 57 min
